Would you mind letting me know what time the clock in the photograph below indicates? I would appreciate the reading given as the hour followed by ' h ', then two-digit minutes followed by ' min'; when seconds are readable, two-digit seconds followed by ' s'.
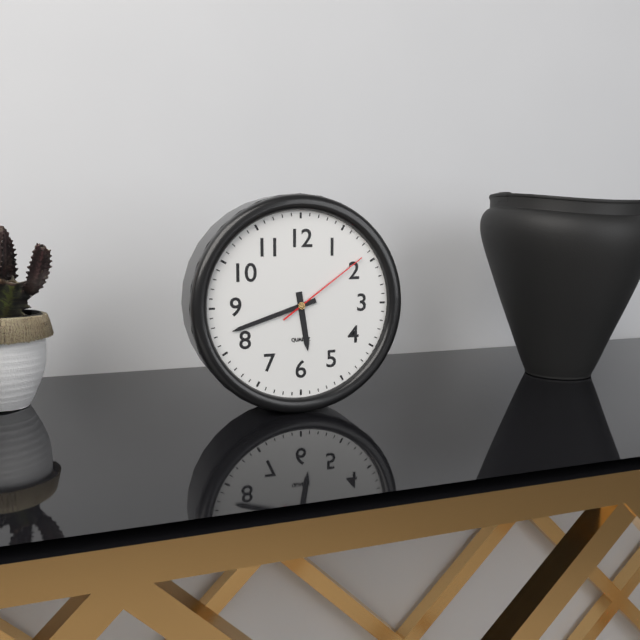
5 h 42 min 09 s
